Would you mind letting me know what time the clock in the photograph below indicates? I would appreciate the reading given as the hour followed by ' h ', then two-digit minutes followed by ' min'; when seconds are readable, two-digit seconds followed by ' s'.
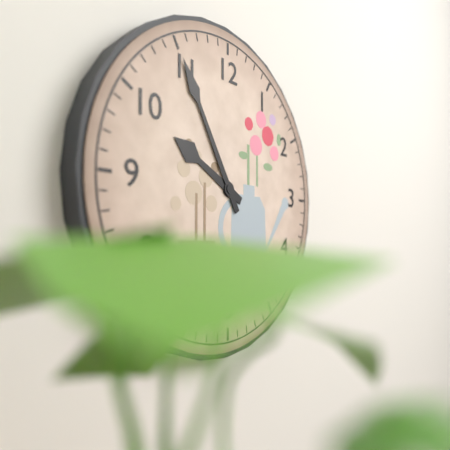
9 h 55 min
